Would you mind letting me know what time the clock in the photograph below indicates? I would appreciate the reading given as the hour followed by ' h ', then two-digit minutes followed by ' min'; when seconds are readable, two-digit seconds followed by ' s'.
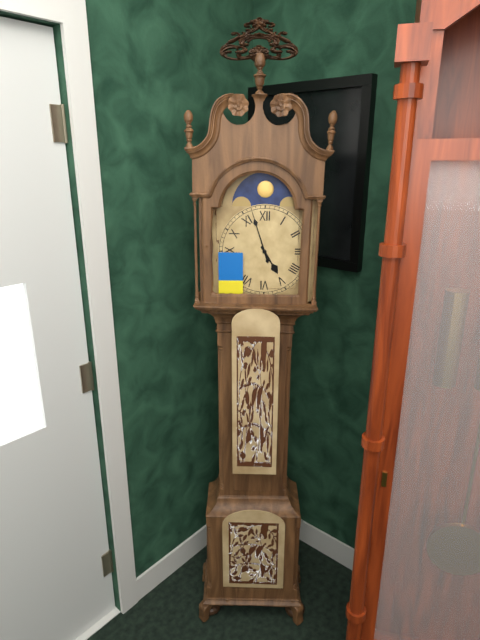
4 h 57 min
